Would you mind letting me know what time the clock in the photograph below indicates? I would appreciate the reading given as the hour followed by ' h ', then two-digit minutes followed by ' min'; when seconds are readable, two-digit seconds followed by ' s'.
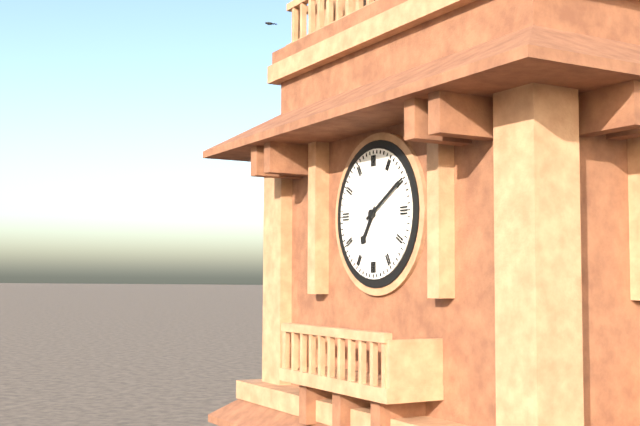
7 h 10 min
